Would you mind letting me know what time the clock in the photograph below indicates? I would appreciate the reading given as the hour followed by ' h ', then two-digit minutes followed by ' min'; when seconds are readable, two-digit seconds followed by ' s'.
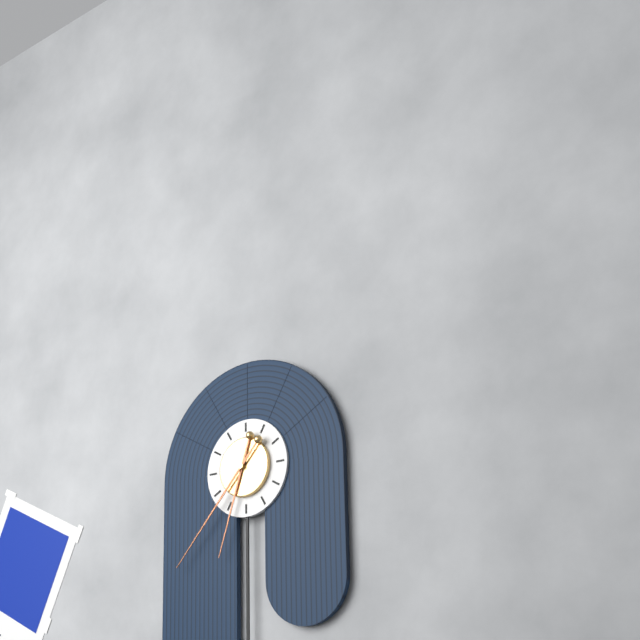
6 h 37 min
